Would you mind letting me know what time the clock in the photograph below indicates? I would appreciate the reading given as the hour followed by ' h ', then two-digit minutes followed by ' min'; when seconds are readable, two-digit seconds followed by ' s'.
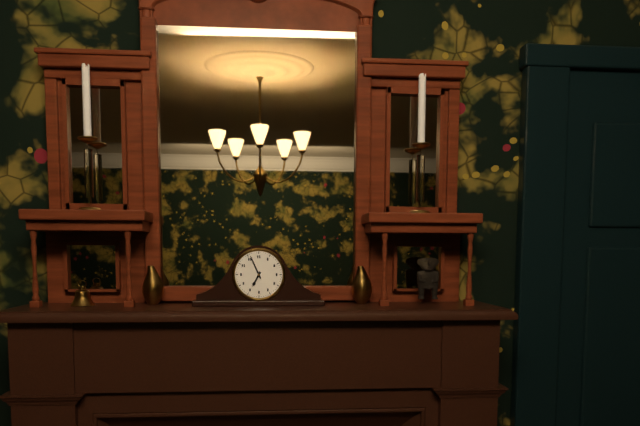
6 h 56 min
